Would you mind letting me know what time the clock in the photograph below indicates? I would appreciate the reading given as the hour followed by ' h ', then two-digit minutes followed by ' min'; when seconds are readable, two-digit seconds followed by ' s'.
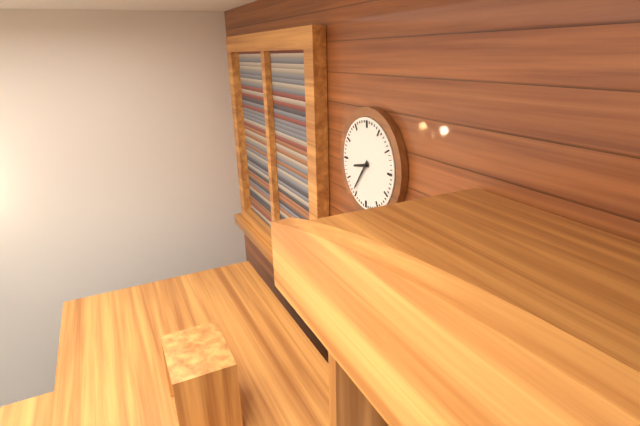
8 h 36 min
